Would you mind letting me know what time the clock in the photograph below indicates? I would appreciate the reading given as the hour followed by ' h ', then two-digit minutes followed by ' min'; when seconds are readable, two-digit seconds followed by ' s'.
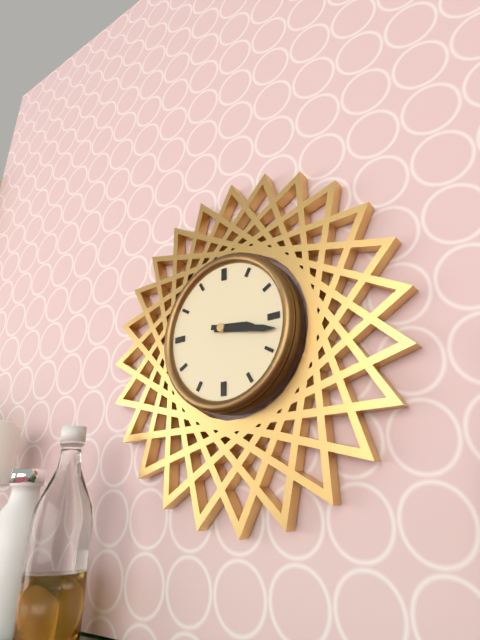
3 h 17 min
